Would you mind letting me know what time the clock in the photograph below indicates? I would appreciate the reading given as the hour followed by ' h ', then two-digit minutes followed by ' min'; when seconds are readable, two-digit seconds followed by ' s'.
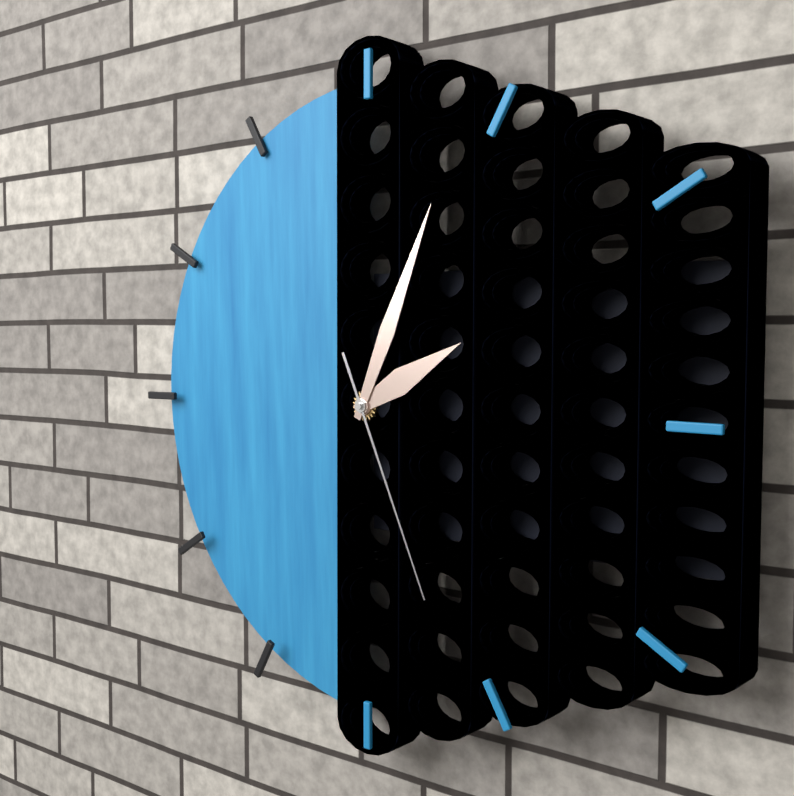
2 h 04 min 26 s
